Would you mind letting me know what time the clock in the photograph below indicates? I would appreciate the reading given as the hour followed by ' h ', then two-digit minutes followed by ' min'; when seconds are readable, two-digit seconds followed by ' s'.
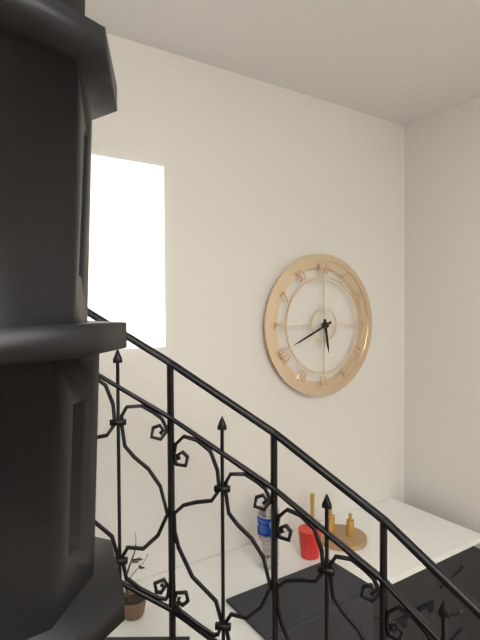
5 h 41 min
